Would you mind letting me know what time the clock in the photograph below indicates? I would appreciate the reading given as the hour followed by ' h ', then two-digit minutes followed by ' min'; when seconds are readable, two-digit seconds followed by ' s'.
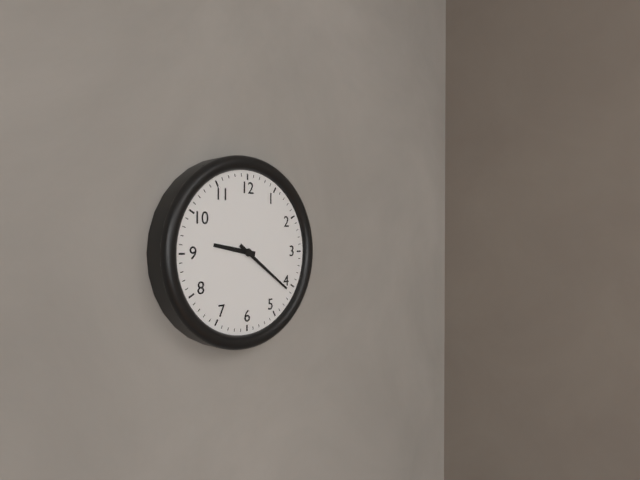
9 h 21 min
